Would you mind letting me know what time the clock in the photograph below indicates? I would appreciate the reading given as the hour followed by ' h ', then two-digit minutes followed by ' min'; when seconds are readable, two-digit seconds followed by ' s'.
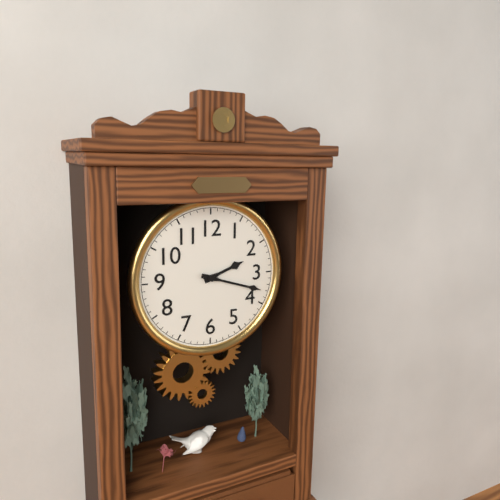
2 h 18 min
